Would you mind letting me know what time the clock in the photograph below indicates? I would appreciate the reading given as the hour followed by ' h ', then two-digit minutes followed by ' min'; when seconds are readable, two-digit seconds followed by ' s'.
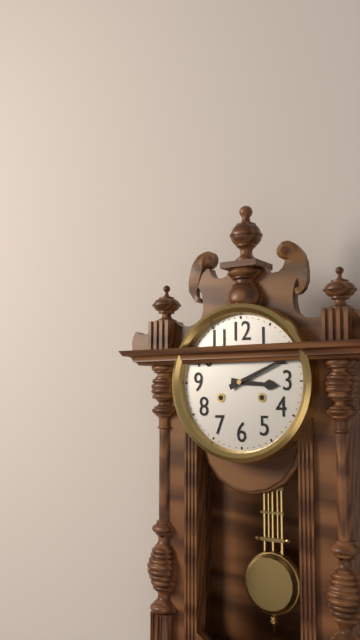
3 h 11 min
